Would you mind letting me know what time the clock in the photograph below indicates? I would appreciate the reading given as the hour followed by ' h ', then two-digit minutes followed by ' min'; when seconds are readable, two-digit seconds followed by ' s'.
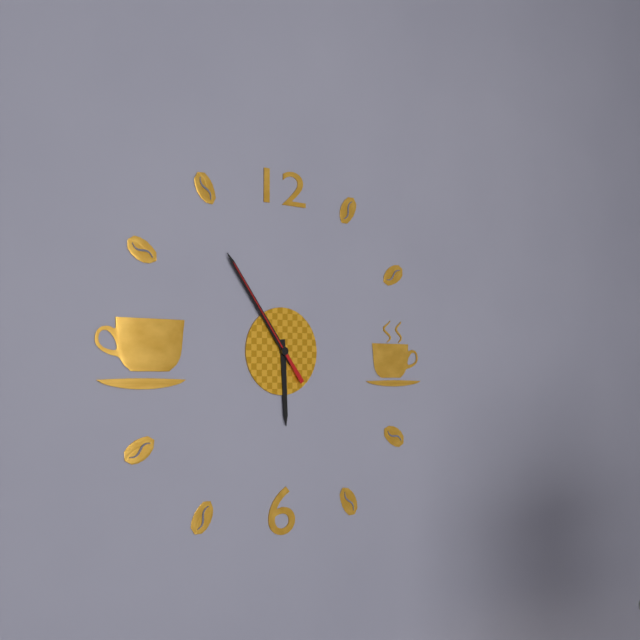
5 h 54 min 54 s
